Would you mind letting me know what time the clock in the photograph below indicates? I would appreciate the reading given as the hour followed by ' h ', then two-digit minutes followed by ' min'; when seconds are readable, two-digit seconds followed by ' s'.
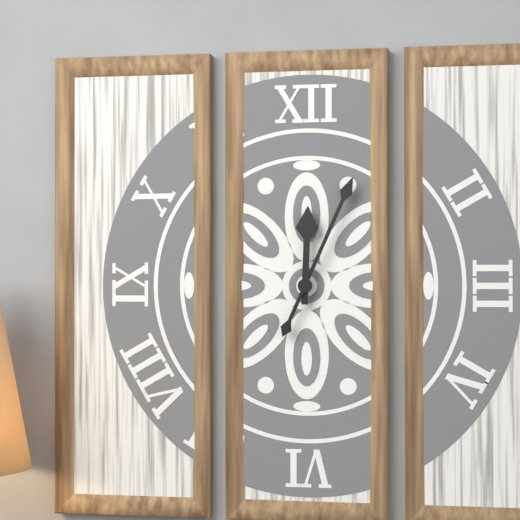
12 h 04 min
